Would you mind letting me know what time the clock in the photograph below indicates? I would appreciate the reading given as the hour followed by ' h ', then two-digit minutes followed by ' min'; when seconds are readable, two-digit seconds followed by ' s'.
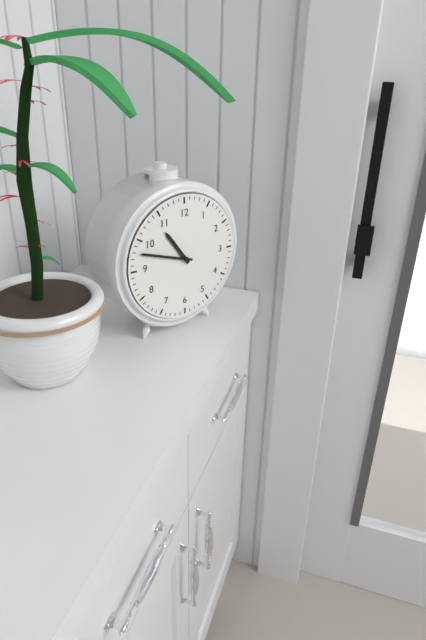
10 h 48 min
